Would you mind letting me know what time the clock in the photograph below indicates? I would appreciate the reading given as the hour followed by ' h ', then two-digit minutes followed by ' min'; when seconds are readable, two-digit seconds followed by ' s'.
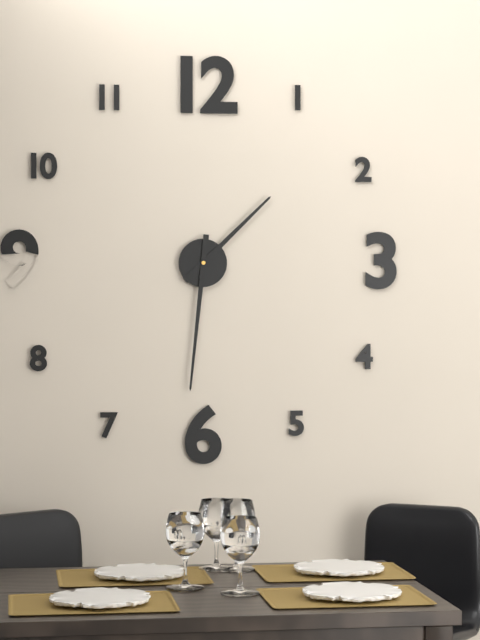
1 h 31 min
